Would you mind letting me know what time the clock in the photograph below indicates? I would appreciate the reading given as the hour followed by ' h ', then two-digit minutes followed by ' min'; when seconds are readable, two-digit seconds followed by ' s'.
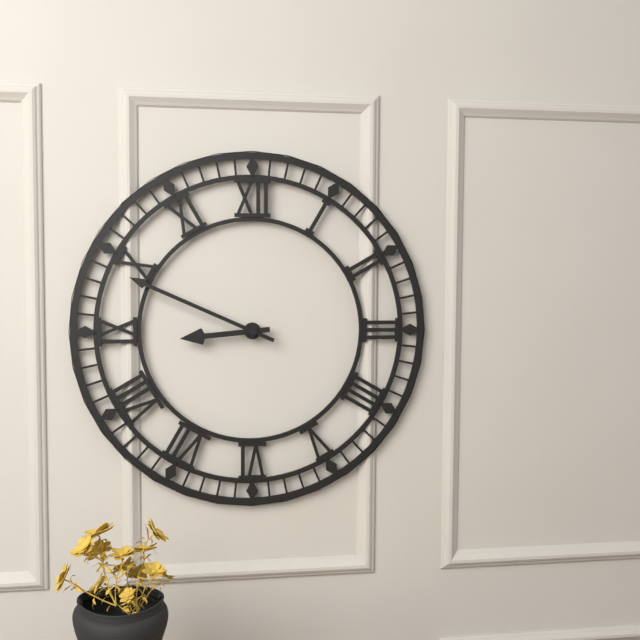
8 h 49 min
